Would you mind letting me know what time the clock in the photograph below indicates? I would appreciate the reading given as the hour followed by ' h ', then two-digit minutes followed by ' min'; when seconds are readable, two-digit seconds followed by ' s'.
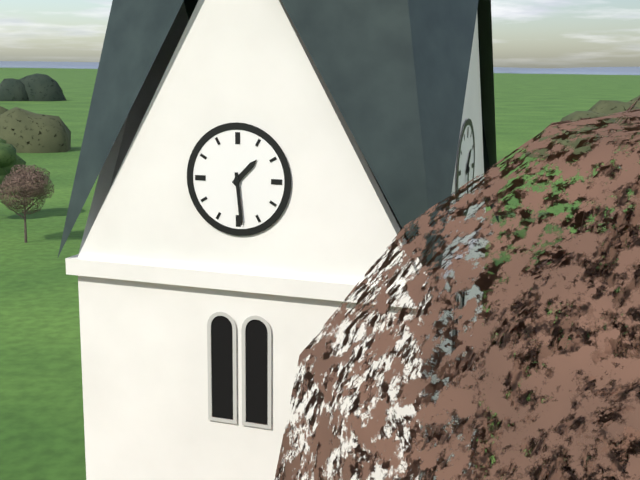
1 h 29 min
